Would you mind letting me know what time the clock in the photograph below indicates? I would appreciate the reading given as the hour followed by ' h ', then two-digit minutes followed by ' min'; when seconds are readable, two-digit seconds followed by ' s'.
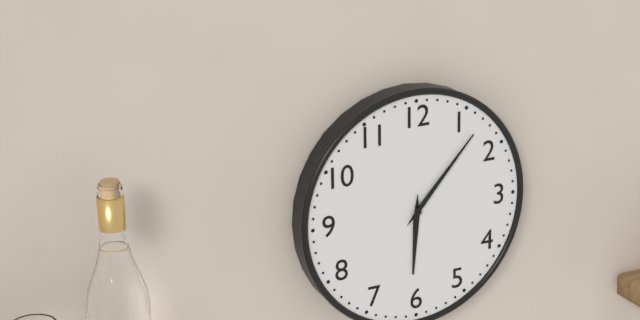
6 h 07 min
